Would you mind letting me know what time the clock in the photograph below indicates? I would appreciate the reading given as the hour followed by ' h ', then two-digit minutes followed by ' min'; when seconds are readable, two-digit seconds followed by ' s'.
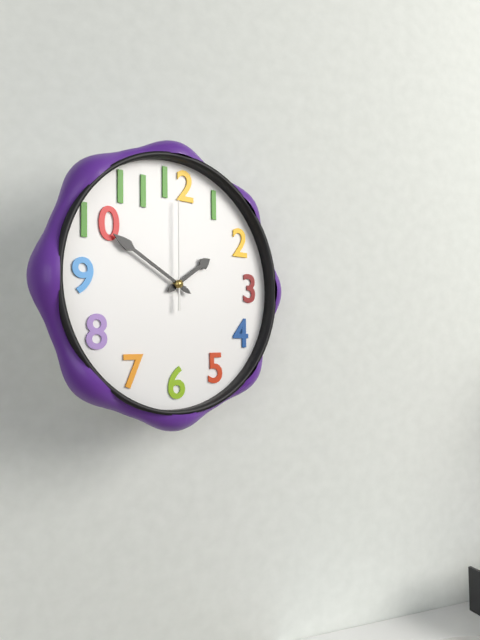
1 h 50 min 00 s
